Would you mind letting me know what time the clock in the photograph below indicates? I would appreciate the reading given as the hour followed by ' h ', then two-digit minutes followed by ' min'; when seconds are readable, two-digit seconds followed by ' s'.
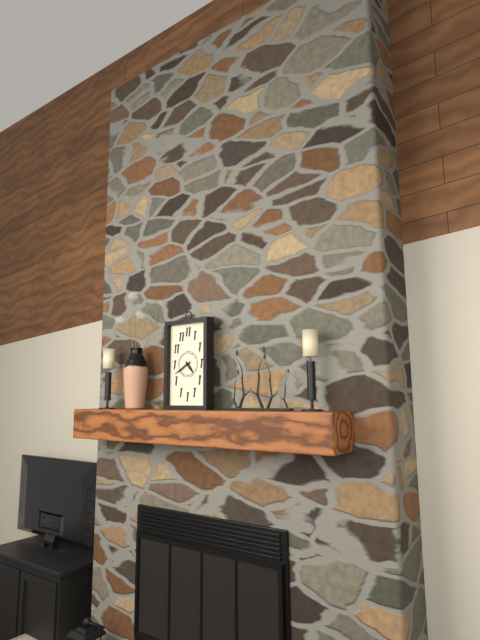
4 h 40 min
